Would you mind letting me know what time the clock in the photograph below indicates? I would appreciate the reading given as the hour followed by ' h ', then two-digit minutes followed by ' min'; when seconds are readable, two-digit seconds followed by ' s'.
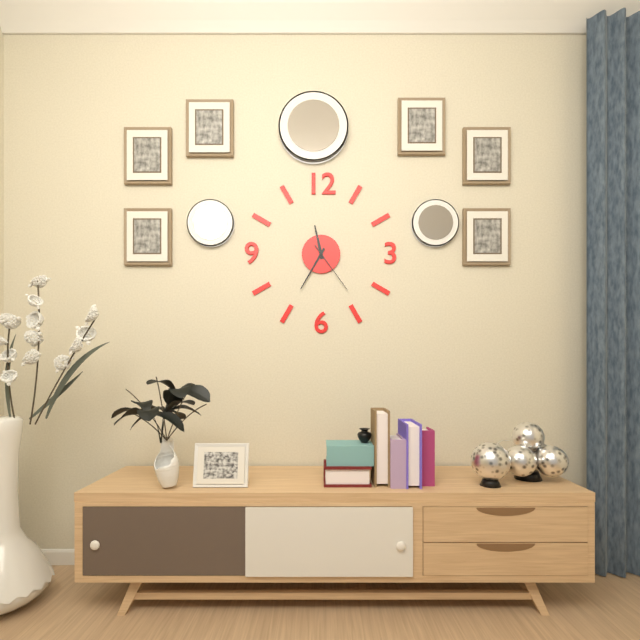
11 h 35 min 24 s
